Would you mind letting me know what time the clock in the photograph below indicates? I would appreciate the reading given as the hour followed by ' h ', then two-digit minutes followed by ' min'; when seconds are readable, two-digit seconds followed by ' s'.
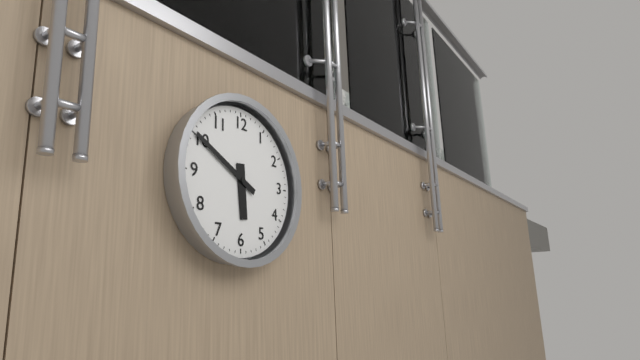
5 h 50 min
